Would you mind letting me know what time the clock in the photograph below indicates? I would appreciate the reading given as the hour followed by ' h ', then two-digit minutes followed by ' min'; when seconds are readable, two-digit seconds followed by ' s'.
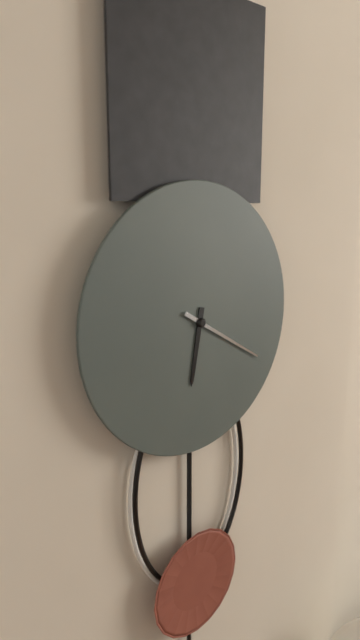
6 h 20 min
